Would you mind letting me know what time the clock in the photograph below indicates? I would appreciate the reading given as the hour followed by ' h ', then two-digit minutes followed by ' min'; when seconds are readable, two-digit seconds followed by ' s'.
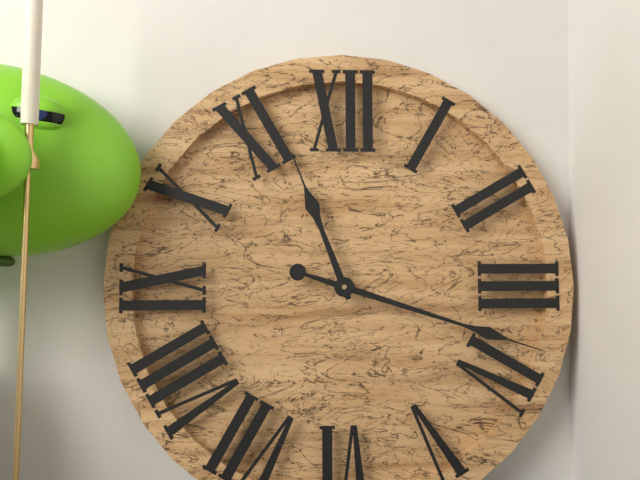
11 h 18 min
